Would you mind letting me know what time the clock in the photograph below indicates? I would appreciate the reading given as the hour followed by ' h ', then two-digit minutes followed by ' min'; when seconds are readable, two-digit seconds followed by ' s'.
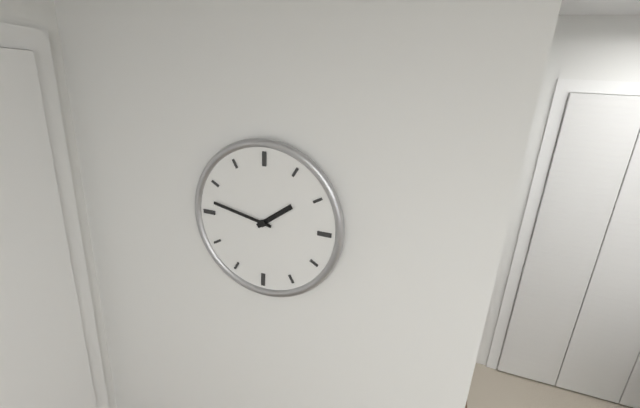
1 h 47 min
